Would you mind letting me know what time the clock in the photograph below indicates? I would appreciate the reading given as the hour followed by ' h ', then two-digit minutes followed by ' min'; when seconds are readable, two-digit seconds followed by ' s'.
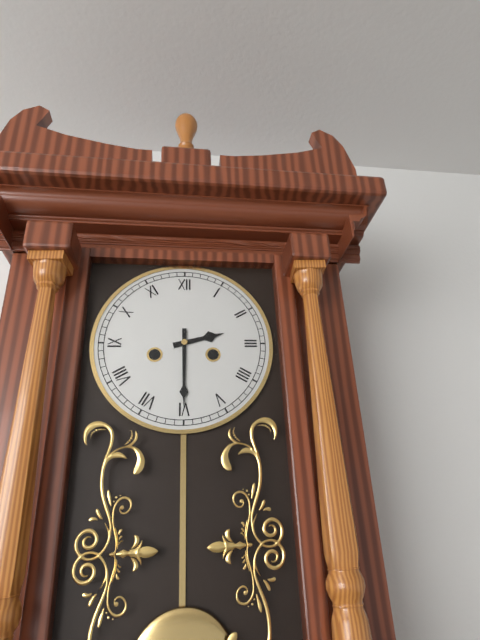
2 h 30 min
